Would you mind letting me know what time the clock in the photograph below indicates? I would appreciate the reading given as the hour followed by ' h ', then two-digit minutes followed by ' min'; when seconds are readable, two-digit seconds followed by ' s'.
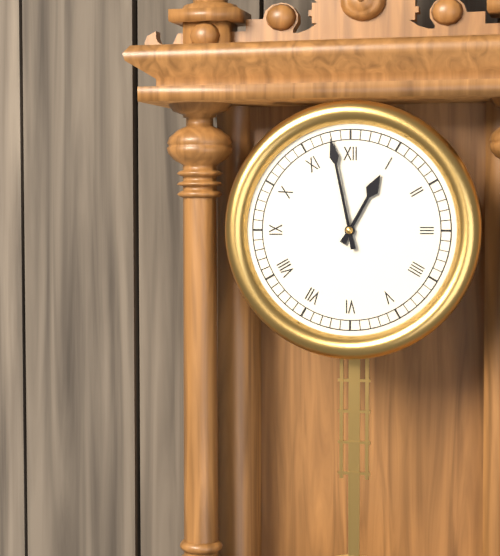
12 h 58 min
